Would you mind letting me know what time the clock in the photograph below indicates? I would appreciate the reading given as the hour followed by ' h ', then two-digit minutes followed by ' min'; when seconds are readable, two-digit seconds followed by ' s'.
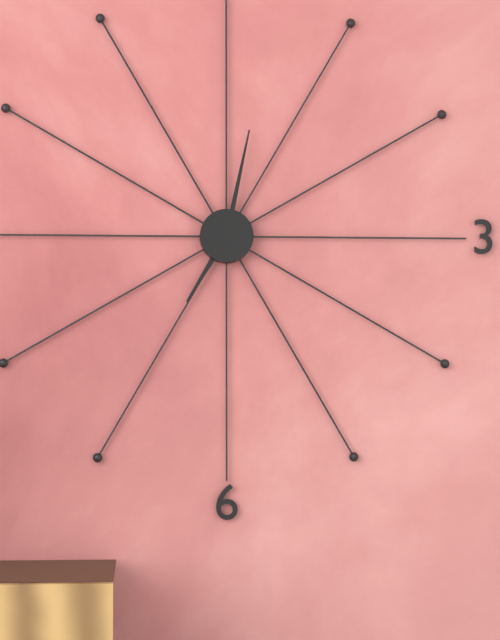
7 h 02 min
